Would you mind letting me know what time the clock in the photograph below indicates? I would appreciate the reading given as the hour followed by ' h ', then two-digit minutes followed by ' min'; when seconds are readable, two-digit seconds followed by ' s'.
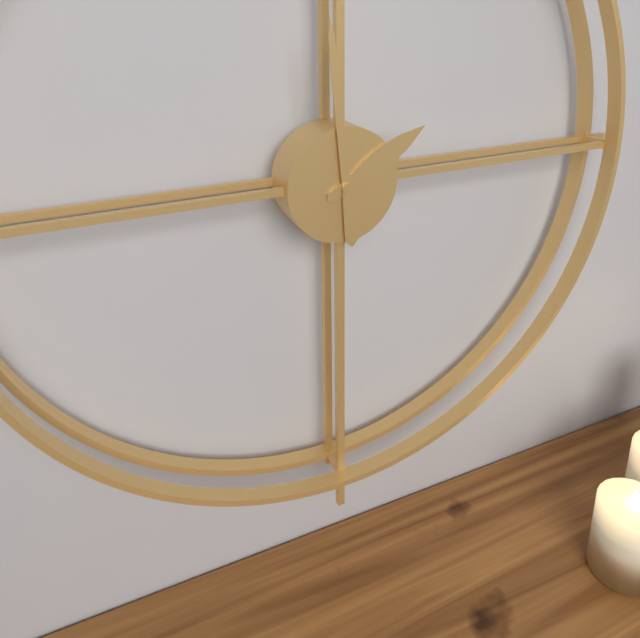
1 h 59 min
